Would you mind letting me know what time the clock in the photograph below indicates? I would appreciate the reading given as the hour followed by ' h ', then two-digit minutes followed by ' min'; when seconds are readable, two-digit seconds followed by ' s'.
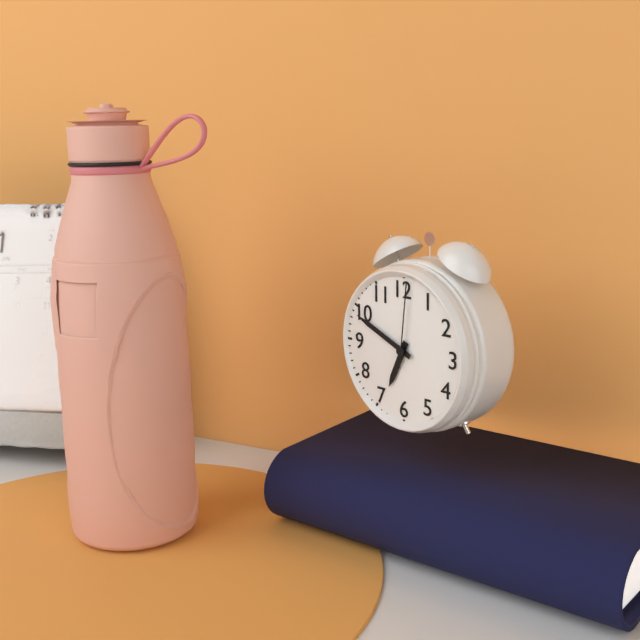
6 h 49 min 01 s
